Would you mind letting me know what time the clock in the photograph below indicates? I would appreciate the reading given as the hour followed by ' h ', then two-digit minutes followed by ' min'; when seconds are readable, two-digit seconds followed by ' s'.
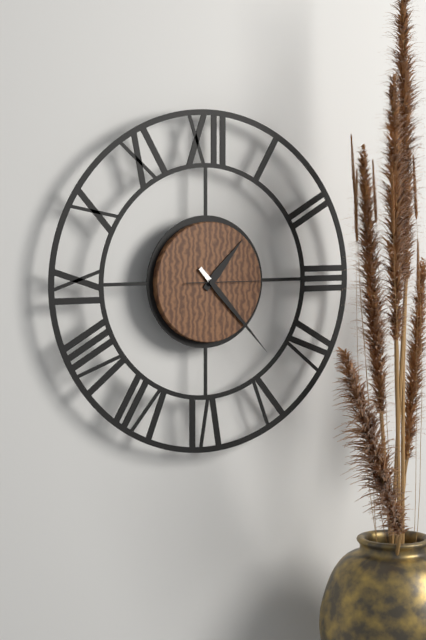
1 h 23 min 15 s
